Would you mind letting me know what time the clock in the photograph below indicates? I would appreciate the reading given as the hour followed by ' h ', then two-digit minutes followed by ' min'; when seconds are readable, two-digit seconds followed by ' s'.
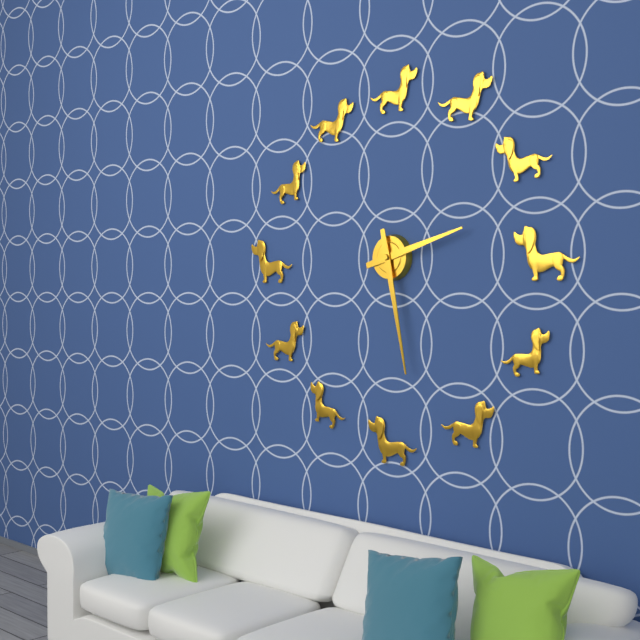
2 h 28 min
